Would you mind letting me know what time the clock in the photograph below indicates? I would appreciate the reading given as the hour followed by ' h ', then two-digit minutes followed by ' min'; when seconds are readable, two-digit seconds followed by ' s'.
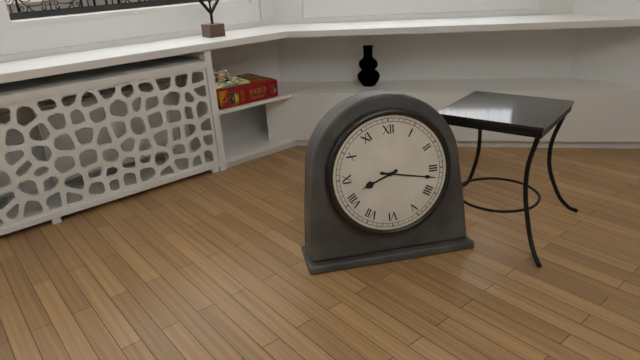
8 h 17 min
